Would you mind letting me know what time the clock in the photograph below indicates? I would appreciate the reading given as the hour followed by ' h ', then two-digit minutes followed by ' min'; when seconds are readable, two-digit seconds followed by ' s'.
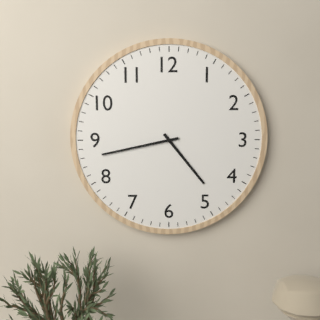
4 h 43 min
